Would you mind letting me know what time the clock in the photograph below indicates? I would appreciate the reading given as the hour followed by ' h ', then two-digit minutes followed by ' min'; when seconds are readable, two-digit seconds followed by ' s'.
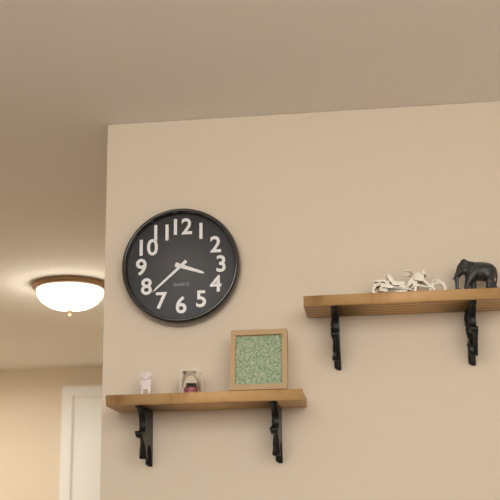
3 h 38 min
